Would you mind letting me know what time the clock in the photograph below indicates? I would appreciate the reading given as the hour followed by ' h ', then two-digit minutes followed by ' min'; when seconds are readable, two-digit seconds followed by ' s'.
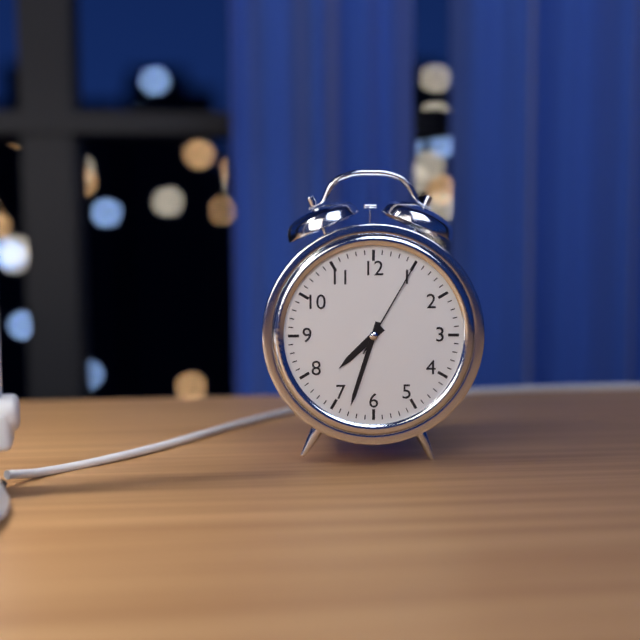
7 h 33 min 05 s
